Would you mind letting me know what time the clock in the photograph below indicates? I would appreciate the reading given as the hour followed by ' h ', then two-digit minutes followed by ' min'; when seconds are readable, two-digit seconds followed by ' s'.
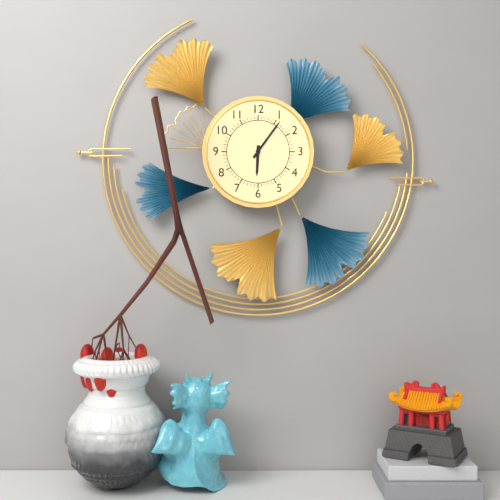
6 h 06 min
